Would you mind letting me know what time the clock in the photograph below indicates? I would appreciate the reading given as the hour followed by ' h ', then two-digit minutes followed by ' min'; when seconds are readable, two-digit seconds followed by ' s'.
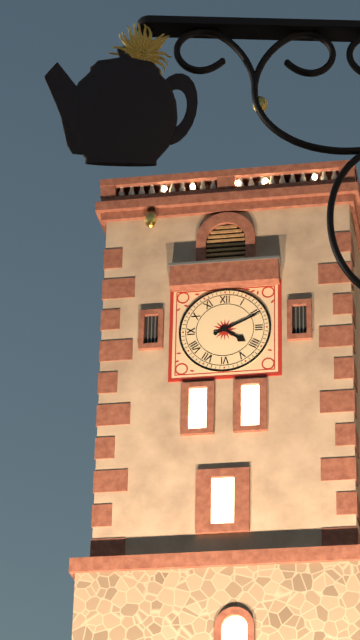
4 h 11 min
